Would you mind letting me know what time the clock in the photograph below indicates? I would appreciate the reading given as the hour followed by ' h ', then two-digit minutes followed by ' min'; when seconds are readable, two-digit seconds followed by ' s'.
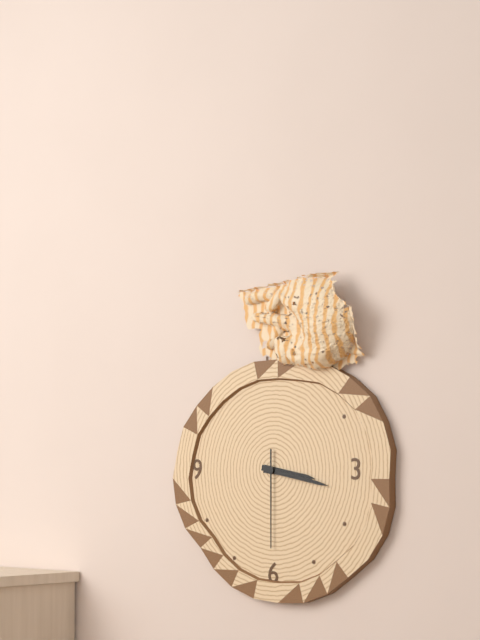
3 h 17 min 30 s
